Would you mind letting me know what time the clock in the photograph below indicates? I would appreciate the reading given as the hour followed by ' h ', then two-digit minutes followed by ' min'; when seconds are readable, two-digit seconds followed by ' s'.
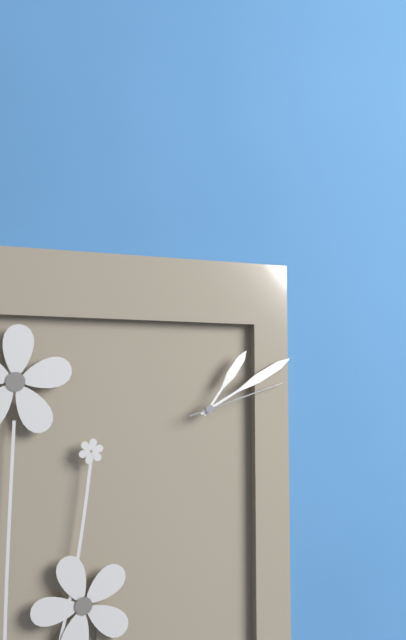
1 h 10 min 12 s
